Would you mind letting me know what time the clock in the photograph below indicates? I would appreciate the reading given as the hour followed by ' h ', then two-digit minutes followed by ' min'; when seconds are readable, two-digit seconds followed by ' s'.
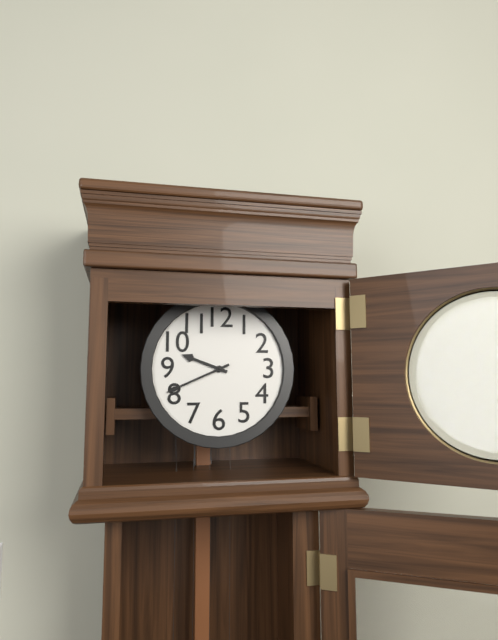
9 h 41 min
